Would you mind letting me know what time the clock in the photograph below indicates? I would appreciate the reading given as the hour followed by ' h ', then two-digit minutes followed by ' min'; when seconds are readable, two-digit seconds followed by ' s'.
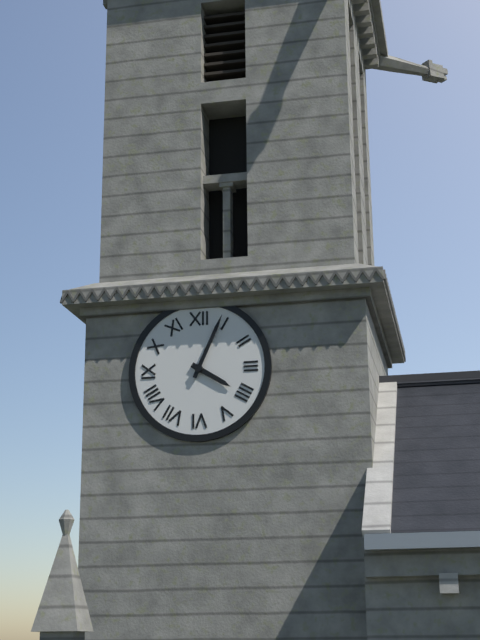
4 h 04 min
